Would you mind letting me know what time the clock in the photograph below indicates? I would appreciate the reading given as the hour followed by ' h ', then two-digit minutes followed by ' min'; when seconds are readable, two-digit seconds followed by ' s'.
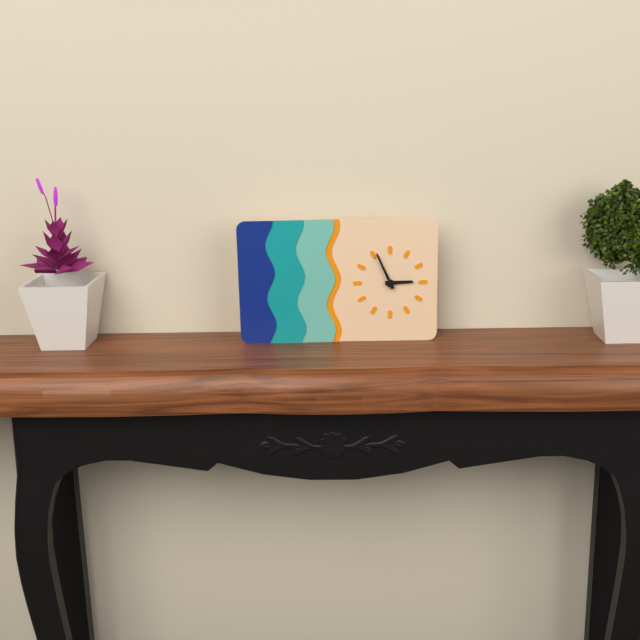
2 h 56 min
